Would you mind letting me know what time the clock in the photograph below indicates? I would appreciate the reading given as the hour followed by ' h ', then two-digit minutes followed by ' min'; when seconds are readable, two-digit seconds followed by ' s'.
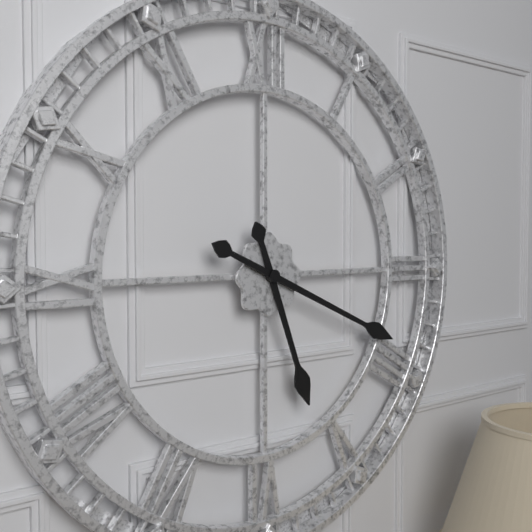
5 h 19 min
